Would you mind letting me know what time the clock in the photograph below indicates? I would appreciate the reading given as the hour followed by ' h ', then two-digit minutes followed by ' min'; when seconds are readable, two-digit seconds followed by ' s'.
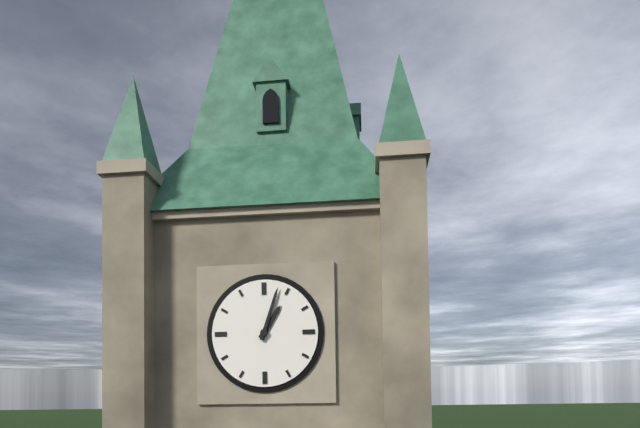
1 h 03 min
